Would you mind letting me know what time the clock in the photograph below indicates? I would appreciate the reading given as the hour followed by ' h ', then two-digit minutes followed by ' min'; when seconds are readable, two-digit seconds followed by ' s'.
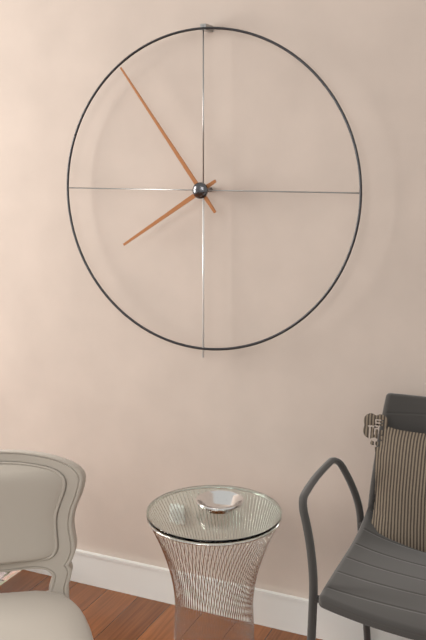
7 h 54 min
